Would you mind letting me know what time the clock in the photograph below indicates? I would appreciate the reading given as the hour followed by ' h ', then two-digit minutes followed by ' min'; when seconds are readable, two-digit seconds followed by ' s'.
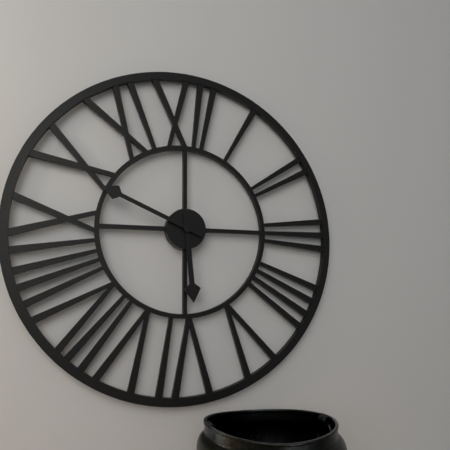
5 h 49 min
